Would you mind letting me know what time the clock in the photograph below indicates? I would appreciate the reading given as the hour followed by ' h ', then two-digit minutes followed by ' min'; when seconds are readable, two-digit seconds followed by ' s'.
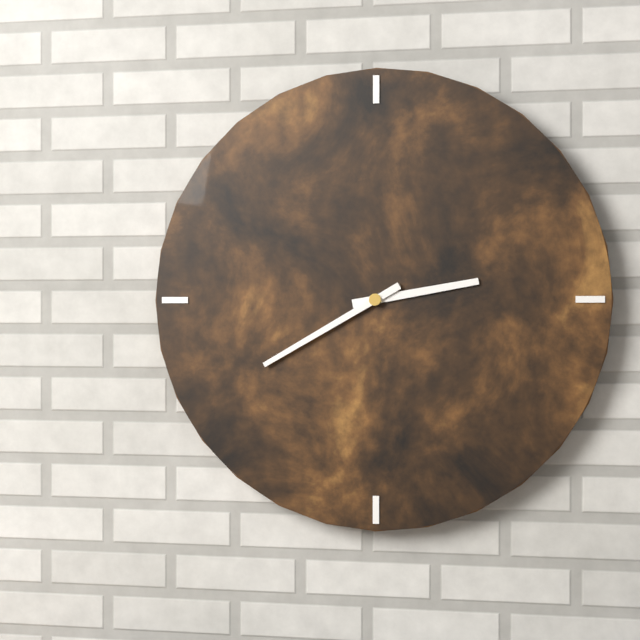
2 h 40 min
